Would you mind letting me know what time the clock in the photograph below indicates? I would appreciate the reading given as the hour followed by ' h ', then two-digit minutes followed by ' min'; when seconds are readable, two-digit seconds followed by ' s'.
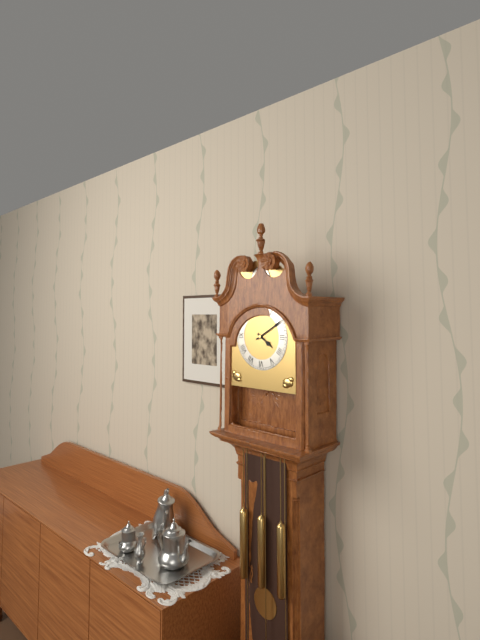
4 h 10 min
